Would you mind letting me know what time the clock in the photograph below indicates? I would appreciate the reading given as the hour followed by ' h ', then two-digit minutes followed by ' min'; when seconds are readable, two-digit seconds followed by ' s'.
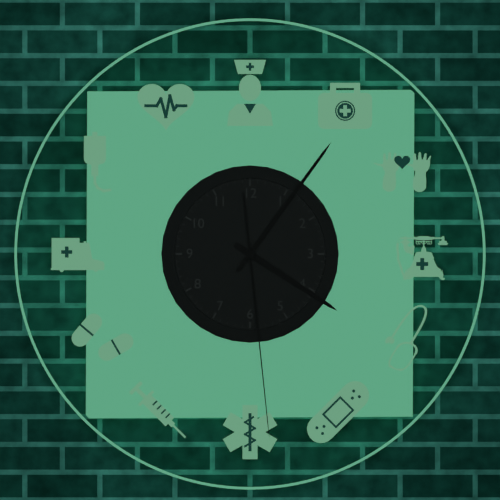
4 h 06 min 29 s
